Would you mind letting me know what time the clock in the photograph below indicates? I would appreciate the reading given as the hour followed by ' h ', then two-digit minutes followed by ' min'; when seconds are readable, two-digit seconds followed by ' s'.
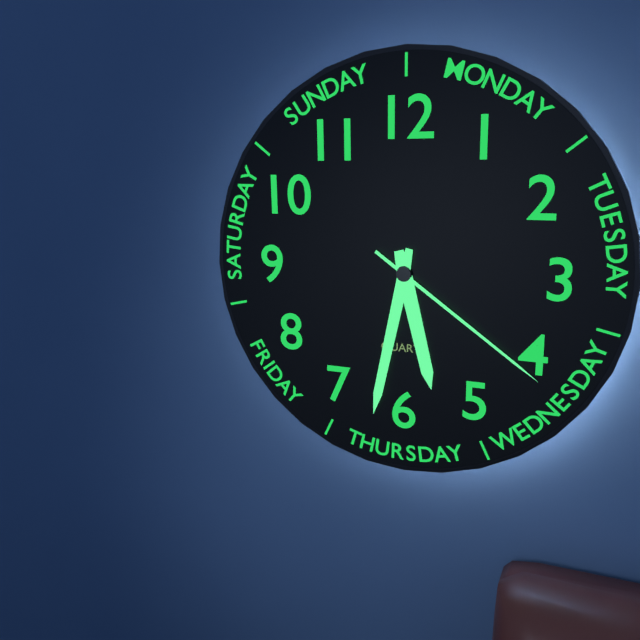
5 h 32 min 21 s
